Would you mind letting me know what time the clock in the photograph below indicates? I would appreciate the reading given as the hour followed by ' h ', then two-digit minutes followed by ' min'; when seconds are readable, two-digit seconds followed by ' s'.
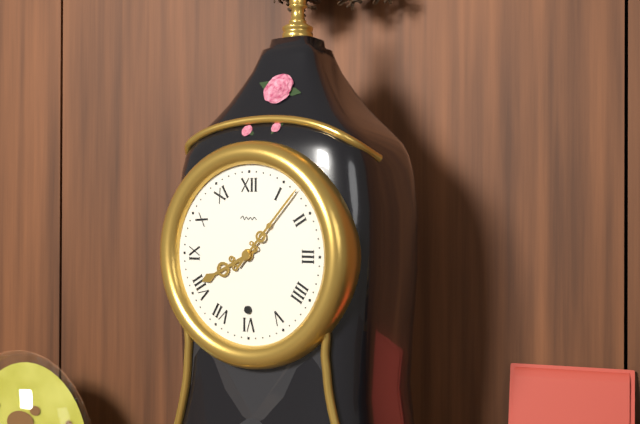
8 h 07 min
